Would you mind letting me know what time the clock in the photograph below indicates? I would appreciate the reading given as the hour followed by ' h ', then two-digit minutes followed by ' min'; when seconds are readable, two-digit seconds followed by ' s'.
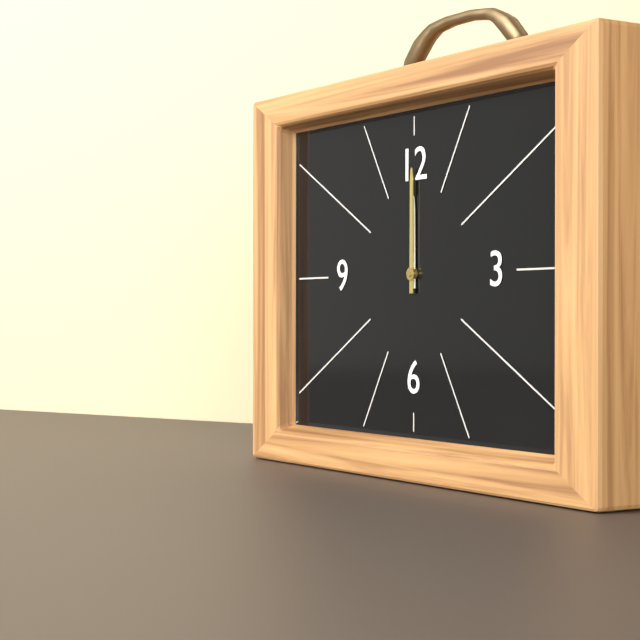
12 h 00 min
